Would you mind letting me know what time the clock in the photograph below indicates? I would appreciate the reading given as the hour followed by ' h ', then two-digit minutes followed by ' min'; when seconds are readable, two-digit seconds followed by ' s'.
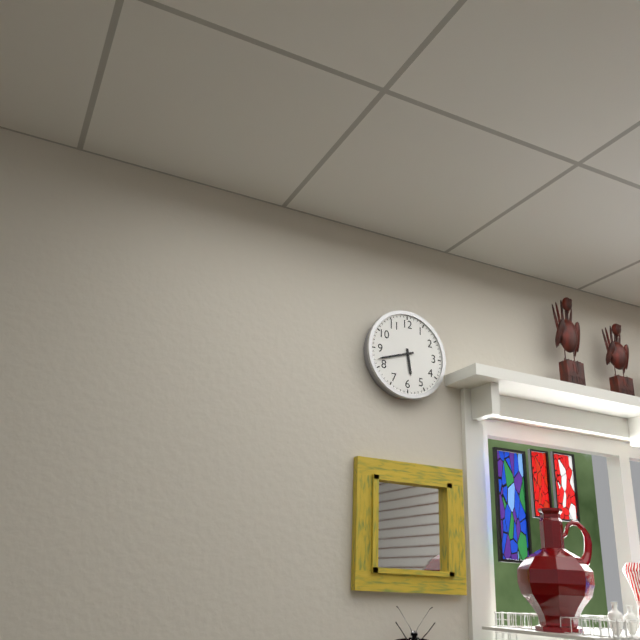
5 h 42 min
